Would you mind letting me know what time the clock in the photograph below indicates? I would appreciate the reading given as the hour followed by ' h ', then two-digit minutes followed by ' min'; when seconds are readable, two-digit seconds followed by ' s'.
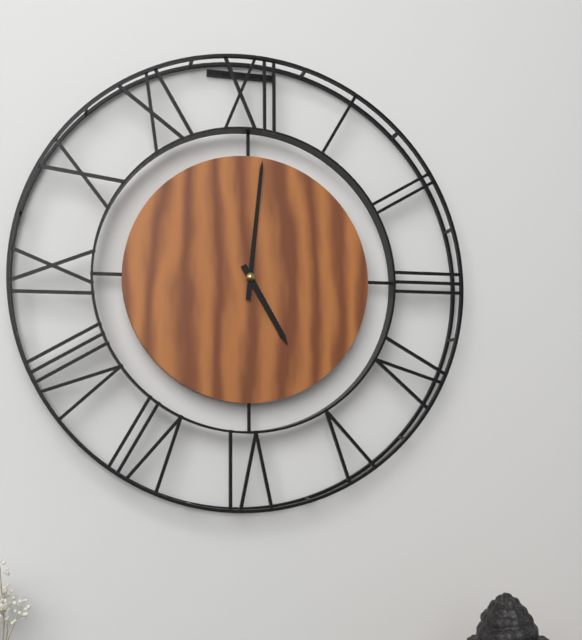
5 h 01 min
